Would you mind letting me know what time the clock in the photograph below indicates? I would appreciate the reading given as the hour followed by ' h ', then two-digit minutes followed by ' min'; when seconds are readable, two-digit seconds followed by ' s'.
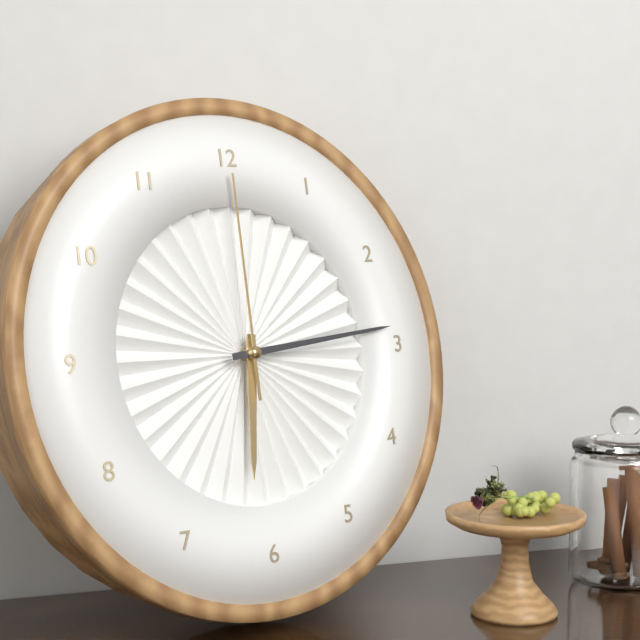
6 h 14 min 00 s
